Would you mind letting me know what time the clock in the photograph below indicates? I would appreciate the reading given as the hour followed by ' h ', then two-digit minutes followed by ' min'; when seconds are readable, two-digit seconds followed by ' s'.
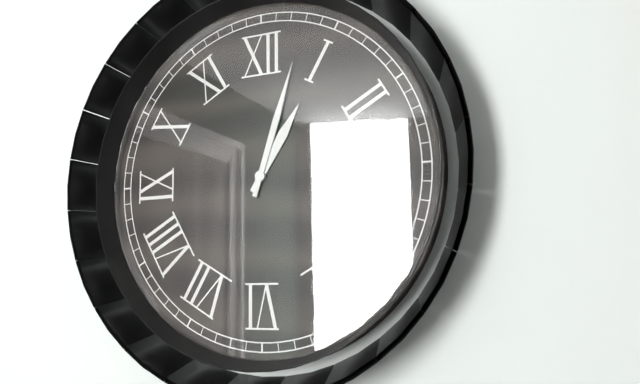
1 h 03 min
